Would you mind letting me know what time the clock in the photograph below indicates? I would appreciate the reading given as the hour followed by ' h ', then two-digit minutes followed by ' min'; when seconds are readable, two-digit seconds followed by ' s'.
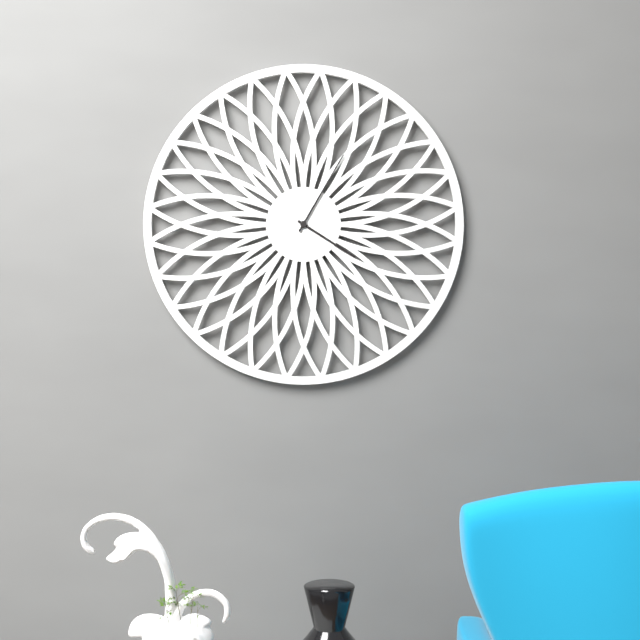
4 h 05 min
